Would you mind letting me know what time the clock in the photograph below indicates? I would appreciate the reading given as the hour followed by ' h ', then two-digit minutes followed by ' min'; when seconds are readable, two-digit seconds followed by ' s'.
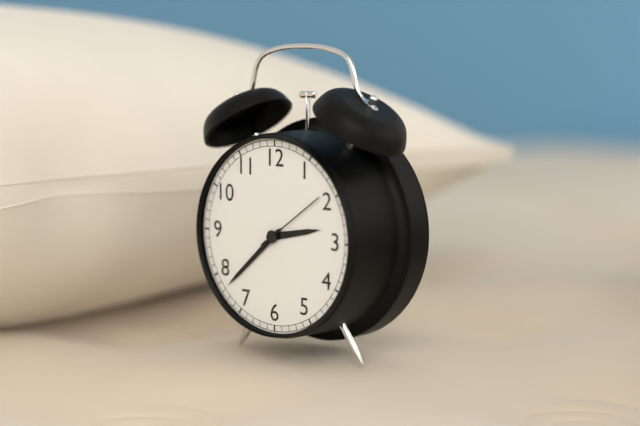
2 h 38 min 09 s
